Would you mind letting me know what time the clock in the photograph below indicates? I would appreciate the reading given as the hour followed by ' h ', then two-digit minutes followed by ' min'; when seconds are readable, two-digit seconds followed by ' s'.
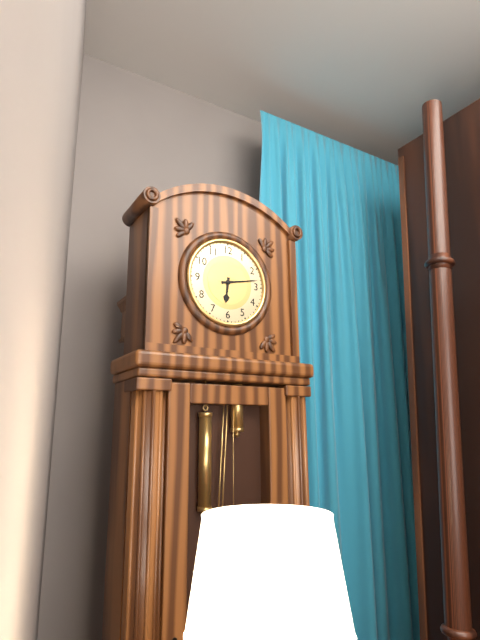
6 h 13 min
